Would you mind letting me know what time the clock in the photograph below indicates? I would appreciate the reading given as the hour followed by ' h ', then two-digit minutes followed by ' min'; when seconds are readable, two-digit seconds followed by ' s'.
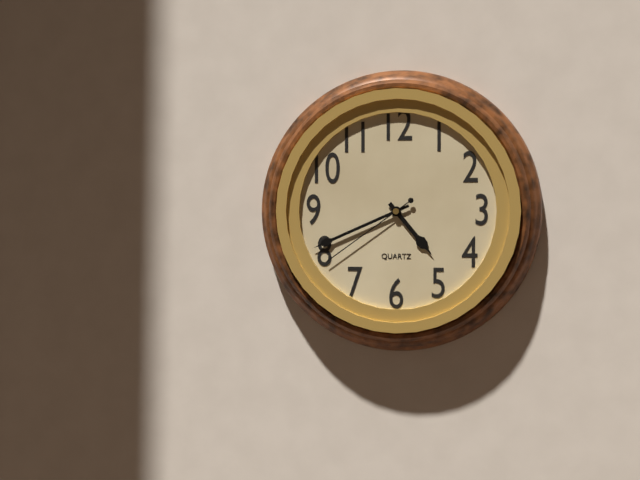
4 h 41 min 39 s
